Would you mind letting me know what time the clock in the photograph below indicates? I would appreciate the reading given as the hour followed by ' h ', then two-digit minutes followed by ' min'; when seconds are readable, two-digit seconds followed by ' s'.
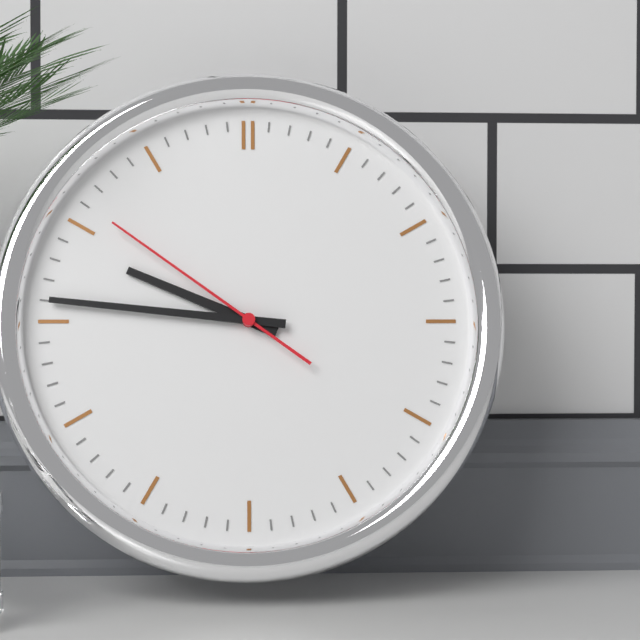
9 h 46 min 51 s
